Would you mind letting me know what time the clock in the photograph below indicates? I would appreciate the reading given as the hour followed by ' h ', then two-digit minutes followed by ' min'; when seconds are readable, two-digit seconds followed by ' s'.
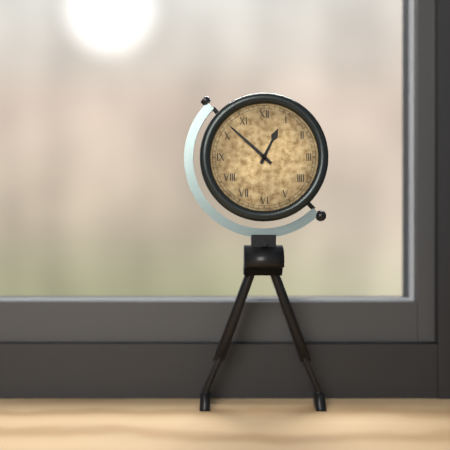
12 h 52 min
